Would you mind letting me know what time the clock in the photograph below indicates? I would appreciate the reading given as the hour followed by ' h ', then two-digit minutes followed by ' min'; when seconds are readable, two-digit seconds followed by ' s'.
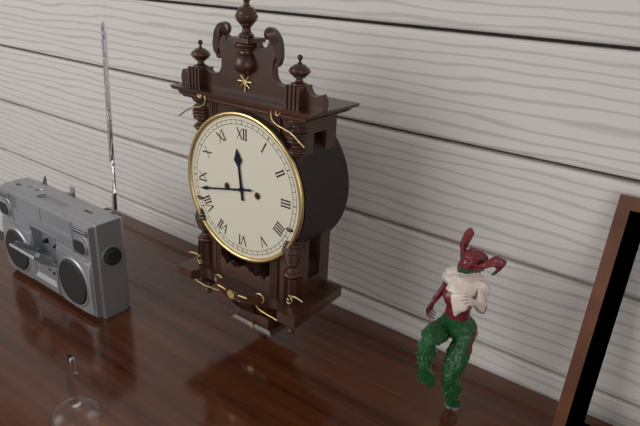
11 h 43 min
